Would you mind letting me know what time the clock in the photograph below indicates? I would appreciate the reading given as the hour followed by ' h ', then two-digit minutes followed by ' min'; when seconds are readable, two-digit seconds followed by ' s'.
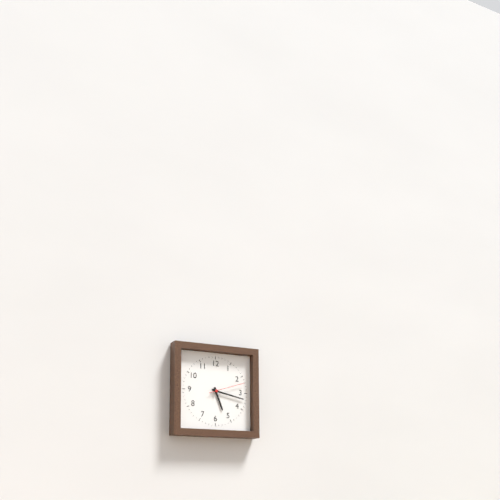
5 h 17 min
